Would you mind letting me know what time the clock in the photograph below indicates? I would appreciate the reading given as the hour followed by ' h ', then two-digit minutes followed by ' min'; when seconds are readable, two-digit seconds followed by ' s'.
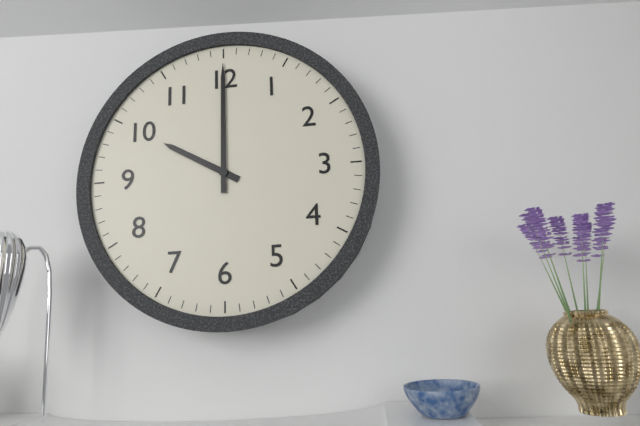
10 h 00 min
